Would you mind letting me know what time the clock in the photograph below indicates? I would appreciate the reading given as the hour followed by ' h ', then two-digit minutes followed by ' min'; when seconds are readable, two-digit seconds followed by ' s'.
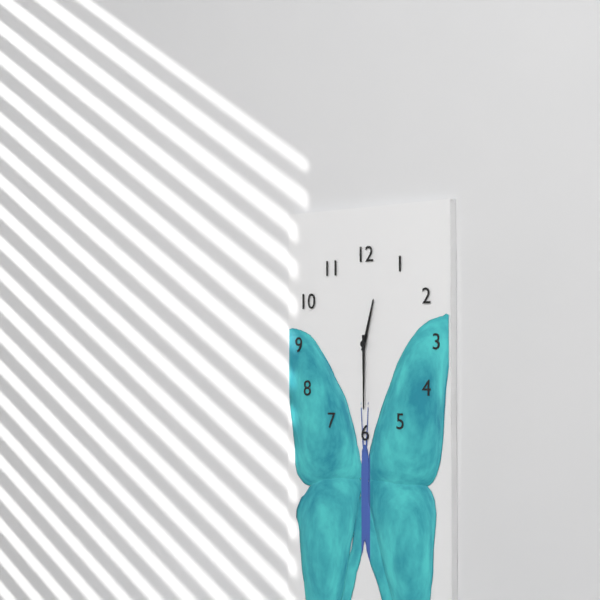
12 h 30 min
